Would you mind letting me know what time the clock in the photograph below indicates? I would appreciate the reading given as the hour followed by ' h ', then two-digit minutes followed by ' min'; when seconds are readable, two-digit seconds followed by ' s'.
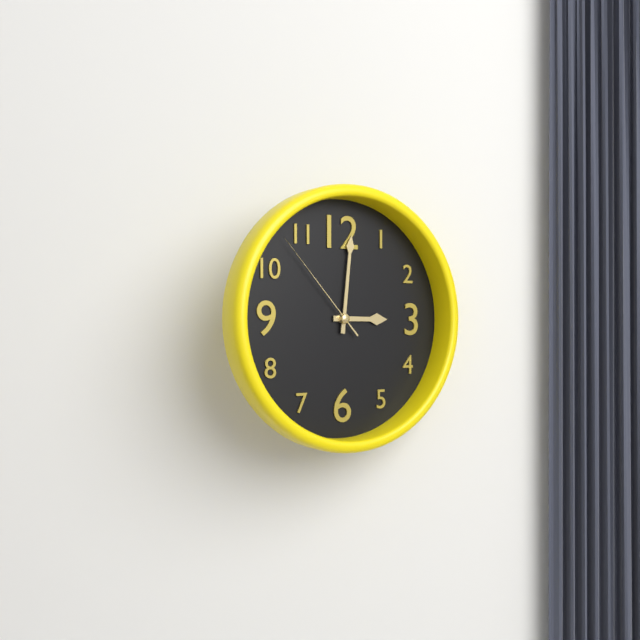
3 h 01 min 53 s
